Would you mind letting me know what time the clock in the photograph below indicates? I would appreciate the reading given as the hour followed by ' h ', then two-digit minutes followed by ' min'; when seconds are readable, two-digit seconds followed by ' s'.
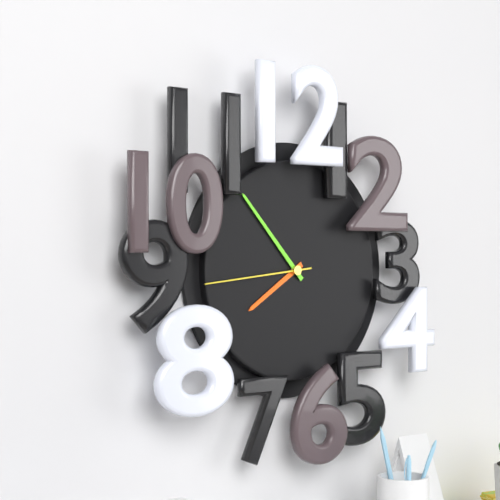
7 h 53 min 44 s
